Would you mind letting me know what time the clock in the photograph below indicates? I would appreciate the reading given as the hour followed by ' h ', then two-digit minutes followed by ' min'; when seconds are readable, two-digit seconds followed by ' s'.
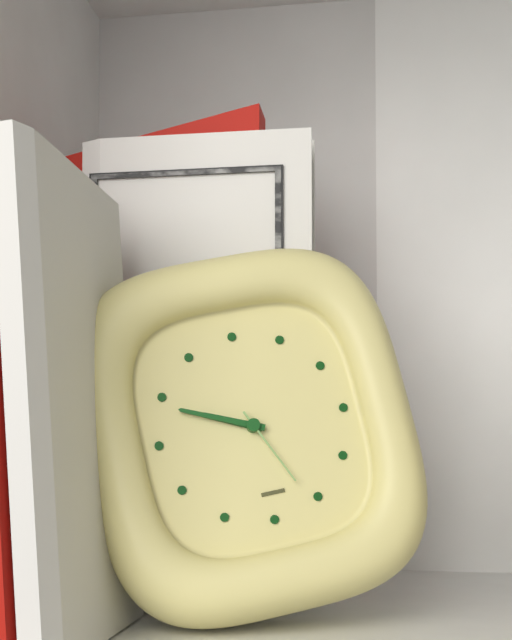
9 h 49 min 26 s
